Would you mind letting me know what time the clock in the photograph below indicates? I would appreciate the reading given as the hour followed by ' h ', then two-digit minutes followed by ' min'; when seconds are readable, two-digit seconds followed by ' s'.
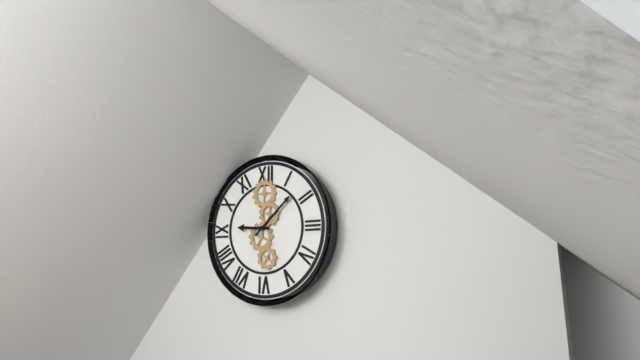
9 h 08 min
